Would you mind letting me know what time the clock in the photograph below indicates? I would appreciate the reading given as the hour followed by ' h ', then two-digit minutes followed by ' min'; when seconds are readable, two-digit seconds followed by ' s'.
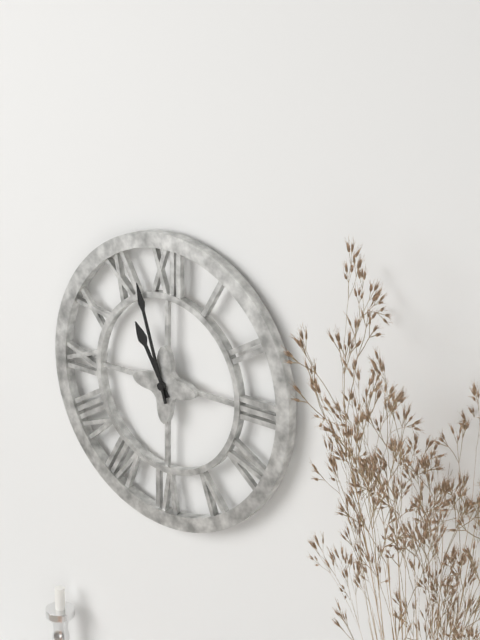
10 h 57 min
